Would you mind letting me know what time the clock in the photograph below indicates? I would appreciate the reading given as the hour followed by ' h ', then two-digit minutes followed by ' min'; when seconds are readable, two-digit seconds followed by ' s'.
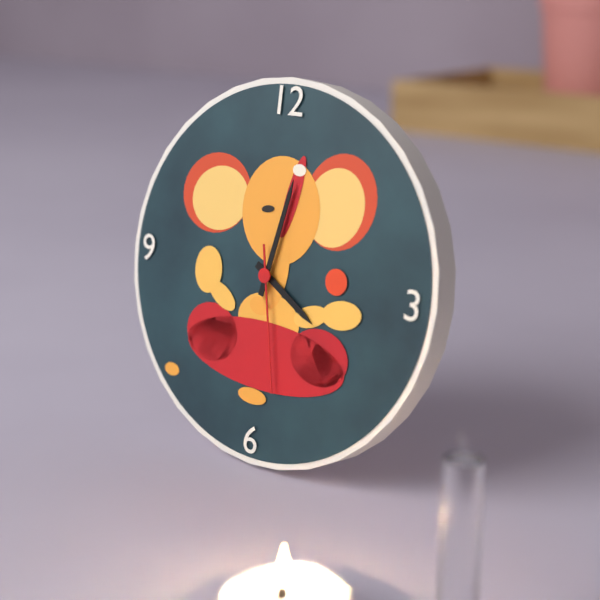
4 h 02 min 28 s
